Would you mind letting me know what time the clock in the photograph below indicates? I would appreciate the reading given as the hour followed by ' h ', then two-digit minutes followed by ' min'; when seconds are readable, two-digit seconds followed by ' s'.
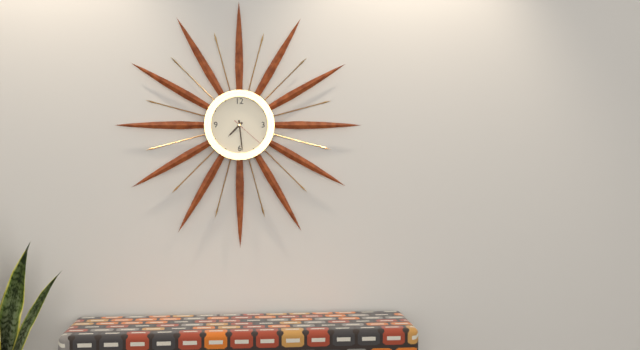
7 h 29 min
